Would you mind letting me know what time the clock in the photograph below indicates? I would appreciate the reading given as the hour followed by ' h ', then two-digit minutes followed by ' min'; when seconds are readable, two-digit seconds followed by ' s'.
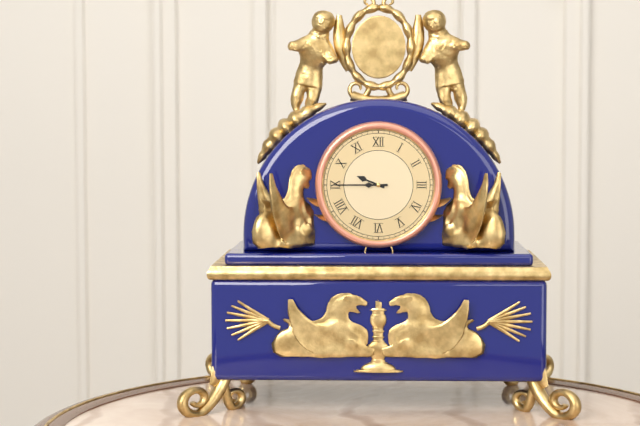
9 h 45 min
